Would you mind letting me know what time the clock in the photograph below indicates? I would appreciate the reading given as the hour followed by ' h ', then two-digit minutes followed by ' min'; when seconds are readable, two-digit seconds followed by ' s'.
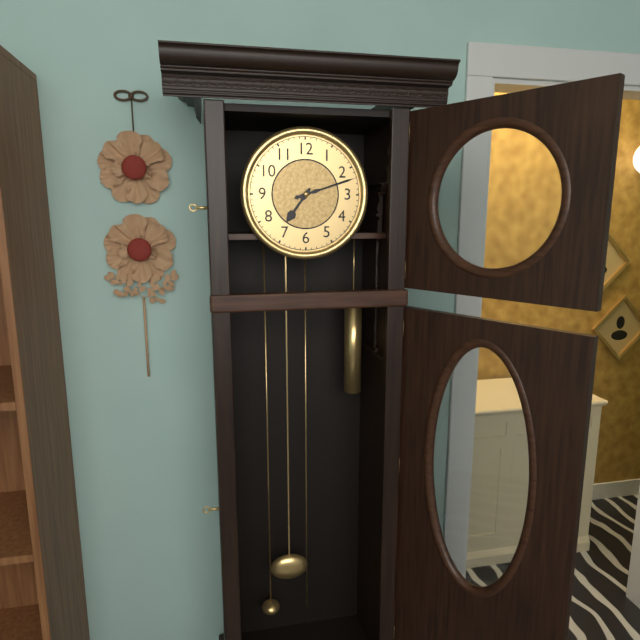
7 h 12 min
